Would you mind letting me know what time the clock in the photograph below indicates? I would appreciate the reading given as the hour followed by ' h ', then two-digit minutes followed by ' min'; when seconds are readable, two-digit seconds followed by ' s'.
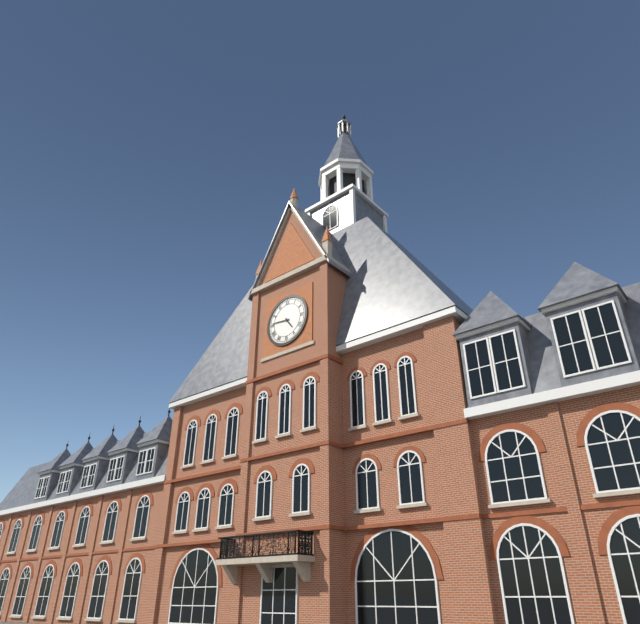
4 h 46 min
